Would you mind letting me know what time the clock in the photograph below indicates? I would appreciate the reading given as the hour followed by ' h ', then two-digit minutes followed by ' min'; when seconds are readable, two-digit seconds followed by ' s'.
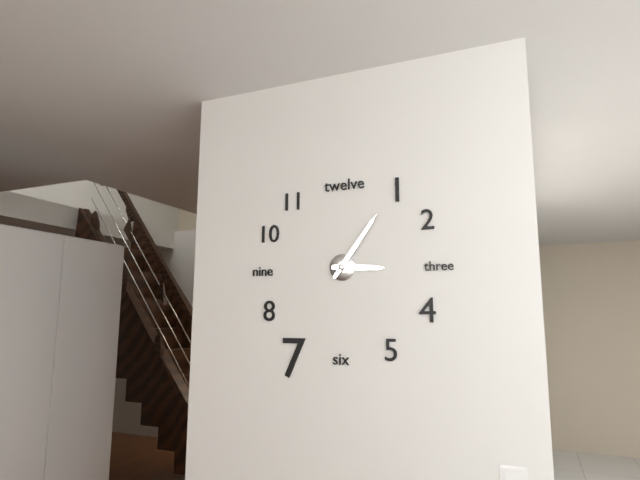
3 h 06 min
